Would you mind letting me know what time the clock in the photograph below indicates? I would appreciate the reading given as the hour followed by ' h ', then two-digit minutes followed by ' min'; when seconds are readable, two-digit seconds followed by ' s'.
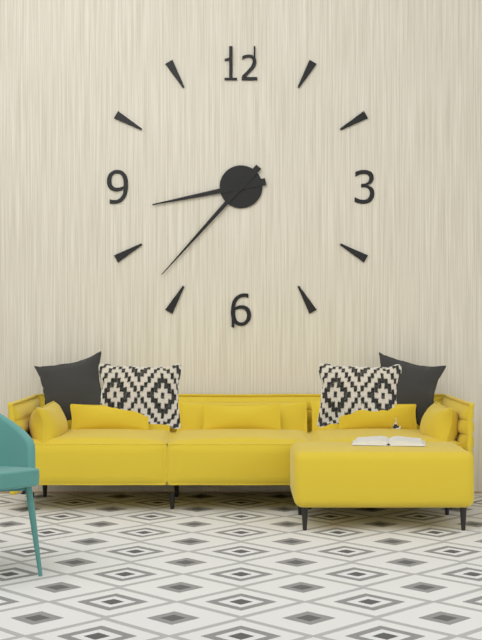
8 h 37 min
